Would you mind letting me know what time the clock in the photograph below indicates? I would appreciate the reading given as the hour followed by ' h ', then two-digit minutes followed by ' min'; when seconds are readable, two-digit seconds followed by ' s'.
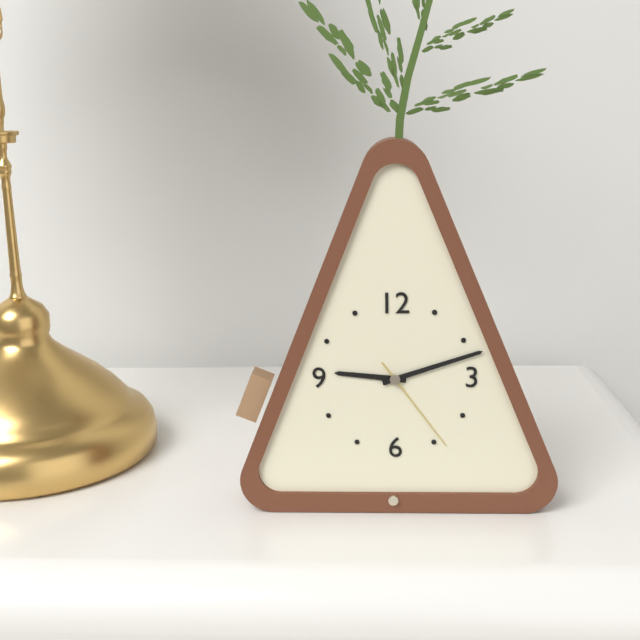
9 h 12 min 24 s
